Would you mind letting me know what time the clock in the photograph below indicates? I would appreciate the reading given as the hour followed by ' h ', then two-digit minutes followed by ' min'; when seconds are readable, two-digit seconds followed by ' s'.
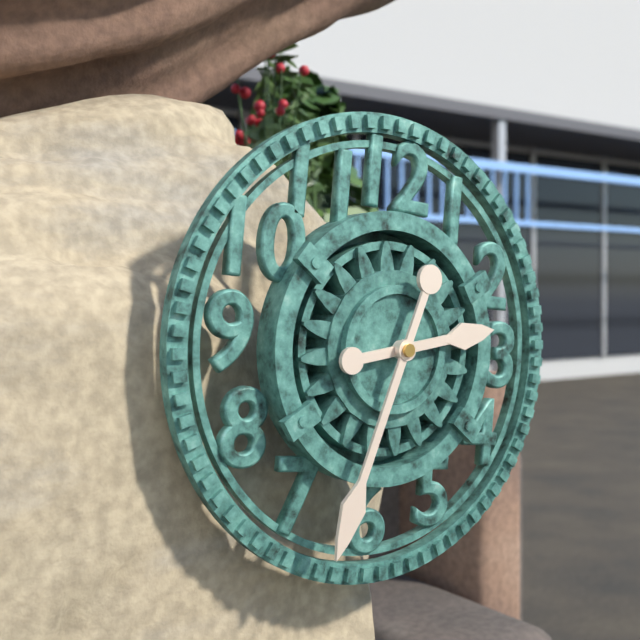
2 h 33 min
